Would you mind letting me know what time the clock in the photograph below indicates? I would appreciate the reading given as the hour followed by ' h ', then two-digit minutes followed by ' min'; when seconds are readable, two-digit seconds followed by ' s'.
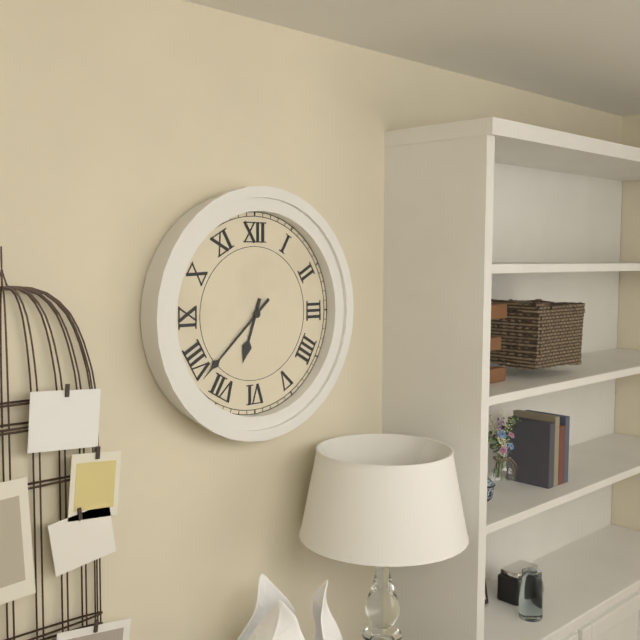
6 h 38 min
